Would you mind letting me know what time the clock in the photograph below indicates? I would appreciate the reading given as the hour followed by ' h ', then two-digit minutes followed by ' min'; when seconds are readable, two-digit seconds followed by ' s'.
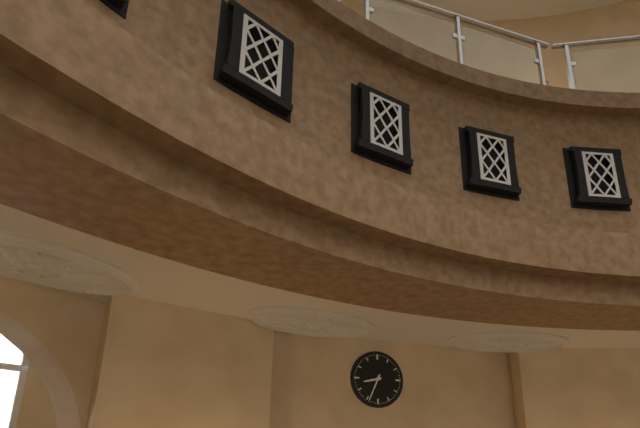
8 h 34 min
